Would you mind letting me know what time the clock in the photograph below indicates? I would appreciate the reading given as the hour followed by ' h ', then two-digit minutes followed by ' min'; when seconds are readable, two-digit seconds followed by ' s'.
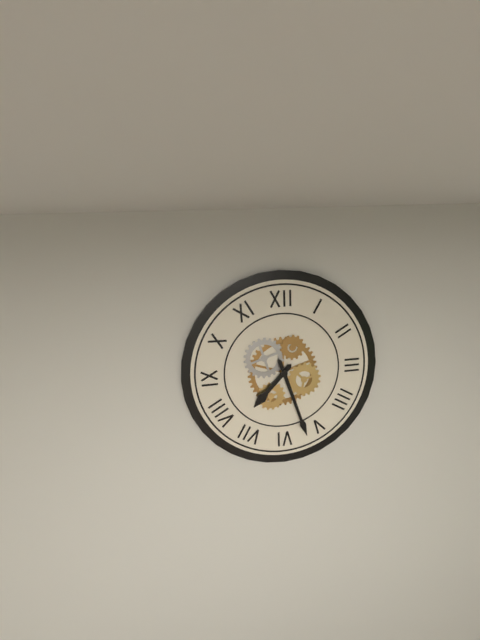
7 h 27 min
